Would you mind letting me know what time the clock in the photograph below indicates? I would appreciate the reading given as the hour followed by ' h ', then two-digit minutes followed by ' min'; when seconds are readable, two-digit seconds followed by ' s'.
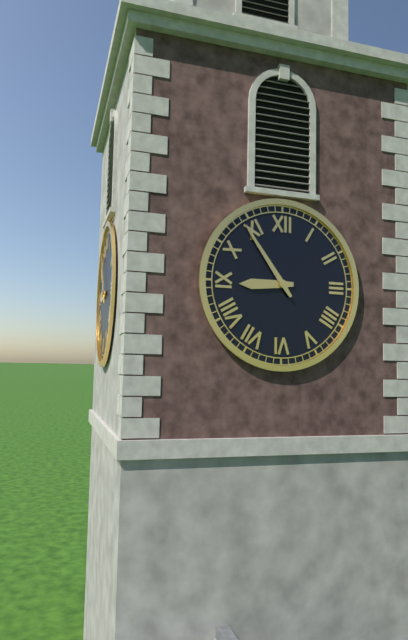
8 h 54 min
